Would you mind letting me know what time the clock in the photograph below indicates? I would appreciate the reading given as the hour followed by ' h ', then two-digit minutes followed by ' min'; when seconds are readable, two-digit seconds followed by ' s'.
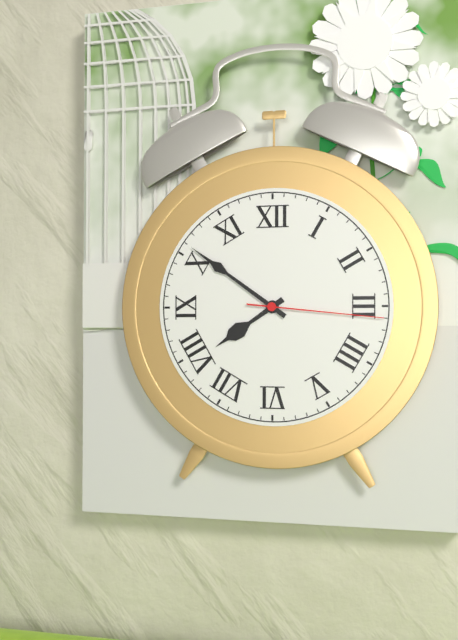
7 h 51 min 16 s
